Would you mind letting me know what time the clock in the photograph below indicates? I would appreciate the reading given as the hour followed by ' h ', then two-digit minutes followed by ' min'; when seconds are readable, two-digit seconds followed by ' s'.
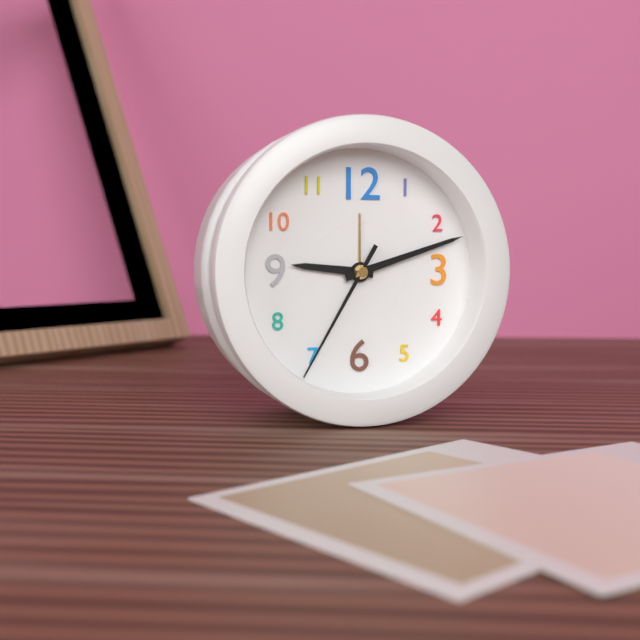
9 h 12 min 35 s
